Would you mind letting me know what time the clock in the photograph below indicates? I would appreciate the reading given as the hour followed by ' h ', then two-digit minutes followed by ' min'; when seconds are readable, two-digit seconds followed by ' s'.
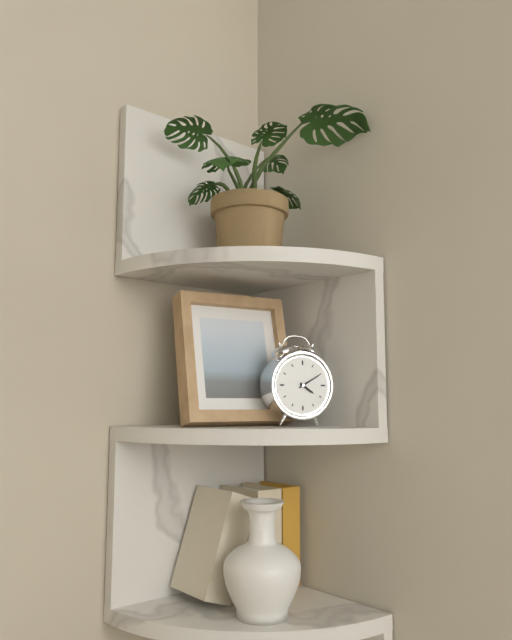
4 h 10 min
